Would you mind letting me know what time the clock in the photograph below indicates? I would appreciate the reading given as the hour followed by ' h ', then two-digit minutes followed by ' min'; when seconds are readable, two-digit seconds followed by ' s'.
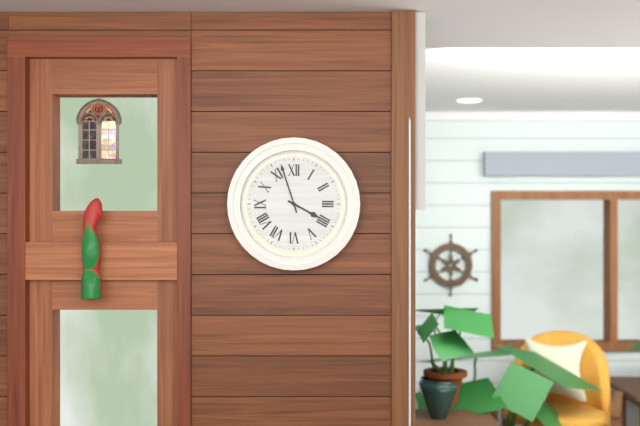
3 h 57 min
